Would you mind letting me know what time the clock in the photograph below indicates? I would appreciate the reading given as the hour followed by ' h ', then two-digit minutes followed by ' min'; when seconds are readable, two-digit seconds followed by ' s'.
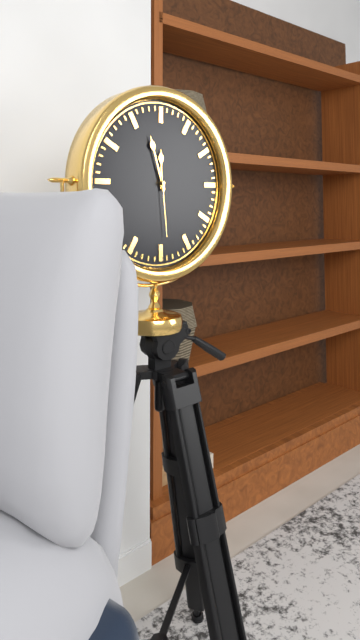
11 h 57 min 29 s
